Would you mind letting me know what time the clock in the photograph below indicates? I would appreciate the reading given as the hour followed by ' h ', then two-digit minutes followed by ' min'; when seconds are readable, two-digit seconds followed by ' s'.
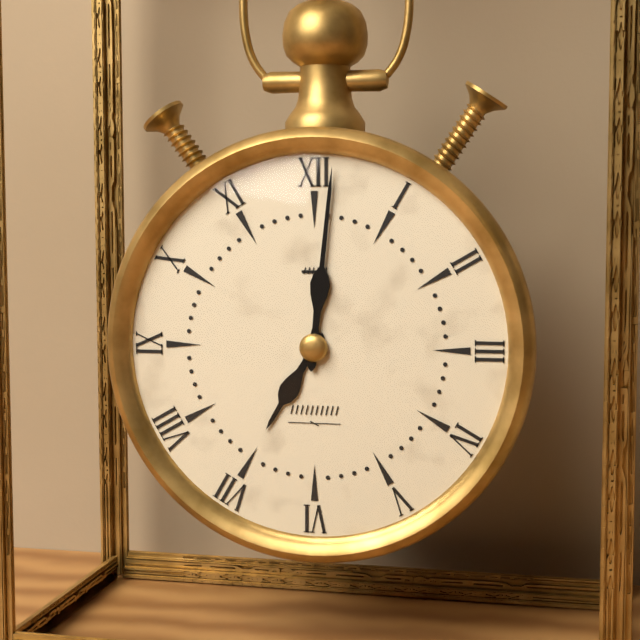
7 h 01 min
